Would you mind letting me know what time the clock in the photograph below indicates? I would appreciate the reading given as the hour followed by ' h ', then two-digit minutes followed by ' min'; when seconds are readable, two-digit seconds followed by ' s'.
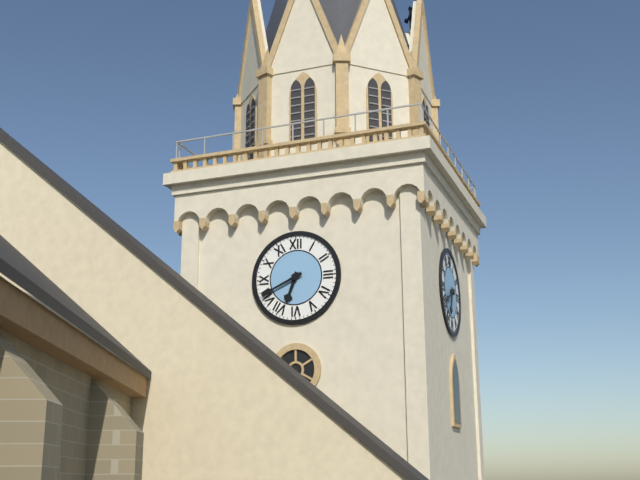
6 h 41 min
